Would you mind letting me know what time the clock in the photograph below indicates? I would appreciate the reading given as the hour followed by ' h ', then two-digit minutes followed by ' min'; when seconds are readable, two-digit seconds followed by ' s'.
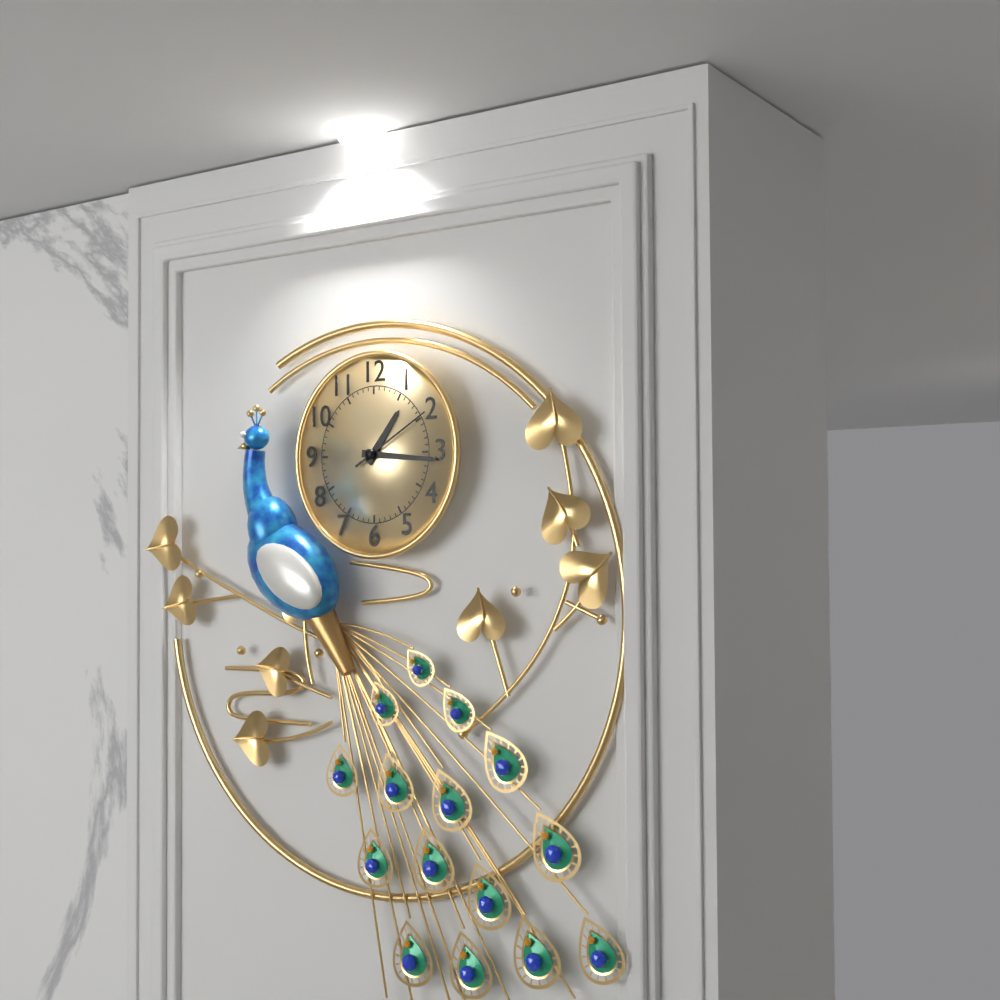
1 h 16 min 10 s
